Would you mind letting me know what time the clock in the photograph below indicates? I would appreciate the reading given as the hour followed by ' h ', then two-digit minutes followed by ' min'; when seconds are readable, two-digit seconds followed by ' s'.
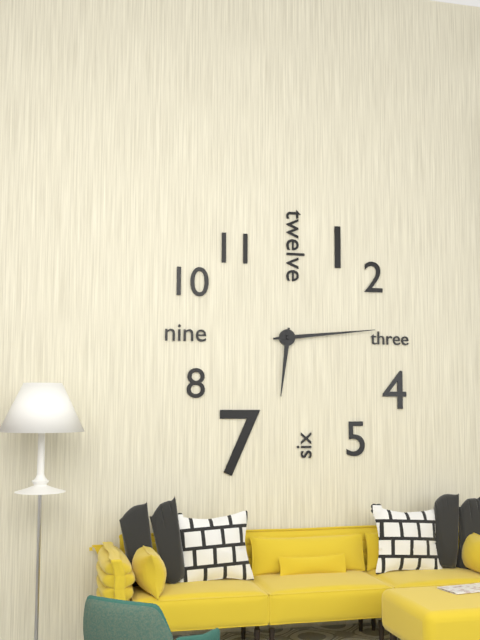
6 h 14 min
